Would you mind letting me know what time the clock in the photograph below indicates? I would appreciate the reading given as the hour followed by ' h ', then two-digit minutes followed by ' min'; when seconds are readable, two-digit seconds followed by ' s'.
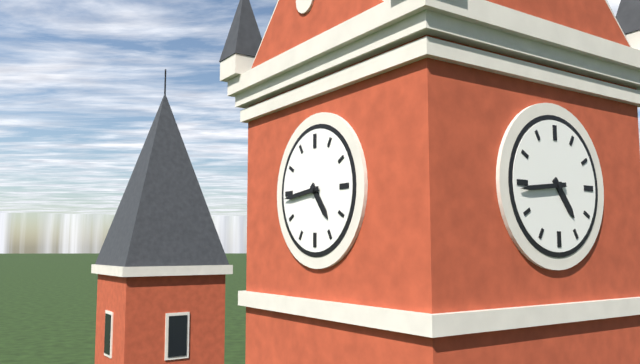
4 h 44 min
